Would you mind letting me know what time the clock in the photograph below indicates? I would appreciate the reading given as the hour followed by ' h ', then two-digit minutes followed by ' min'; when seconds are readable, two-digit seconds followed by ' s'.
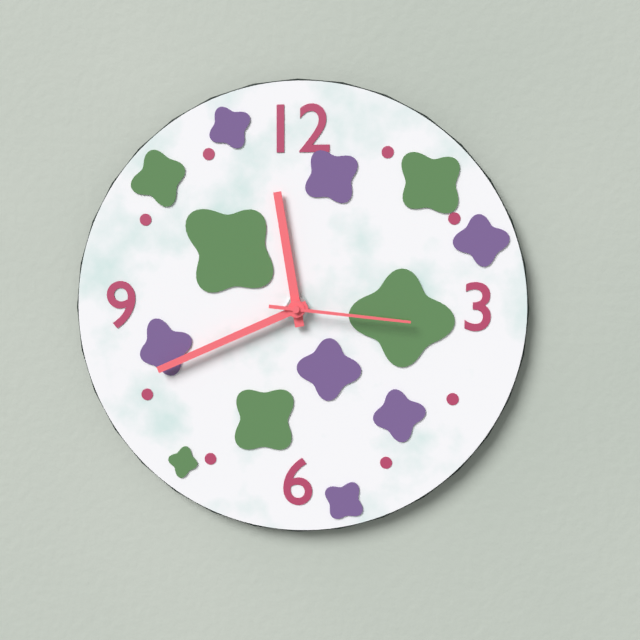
11 h 41 min 16 s
